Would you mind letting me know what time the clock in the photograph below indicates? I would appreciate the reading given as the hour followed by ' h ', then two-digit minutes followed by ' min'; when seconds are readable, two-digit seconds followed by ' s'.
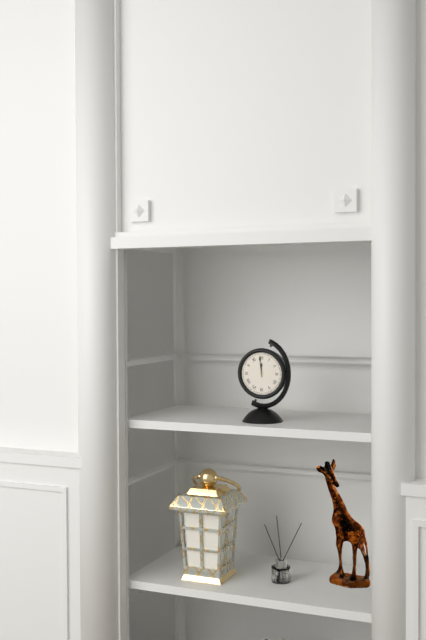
11 h 59 min
